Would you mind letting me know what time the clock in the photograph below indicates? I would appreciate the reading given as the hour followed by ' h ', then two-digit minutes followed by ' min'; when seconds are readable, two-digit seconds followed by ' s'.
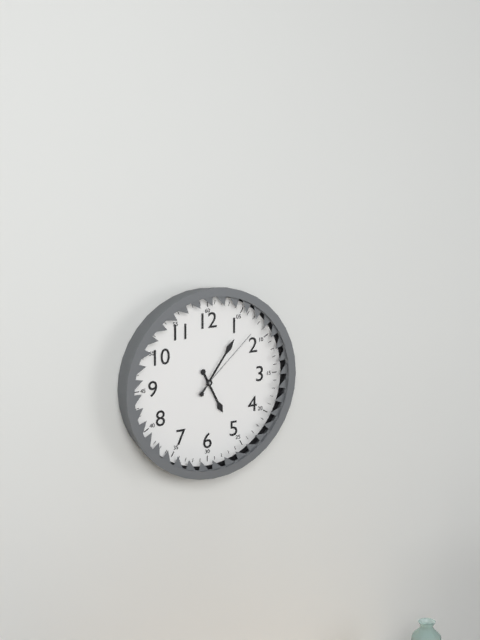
5 h 06 min 08 s
